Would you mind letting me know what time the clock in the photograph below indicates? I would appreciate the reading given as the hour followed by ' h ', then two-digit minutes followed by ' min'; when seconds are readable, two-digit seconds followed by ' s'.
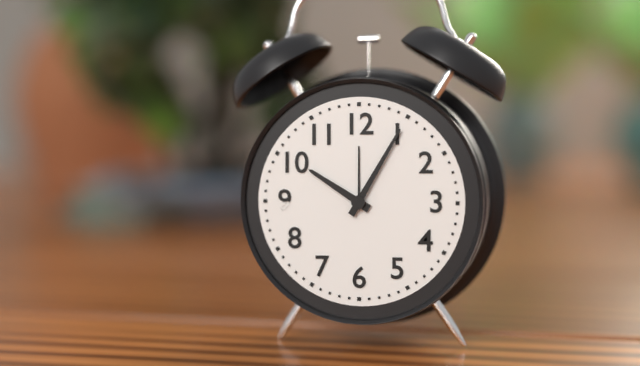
10 h 05 min
